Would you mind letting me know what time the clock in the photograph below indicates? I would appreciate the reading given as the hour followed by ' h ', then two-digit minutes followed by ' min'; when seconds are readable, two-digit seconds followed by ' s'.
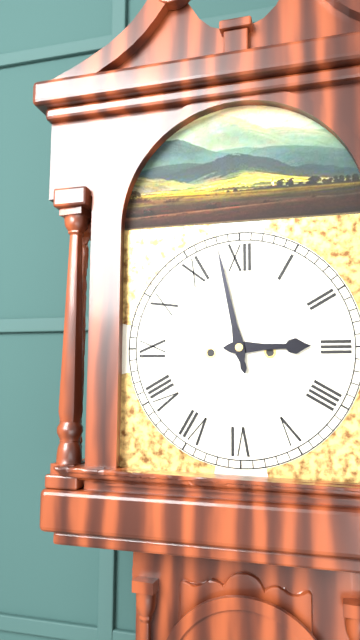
2 h 58 min
